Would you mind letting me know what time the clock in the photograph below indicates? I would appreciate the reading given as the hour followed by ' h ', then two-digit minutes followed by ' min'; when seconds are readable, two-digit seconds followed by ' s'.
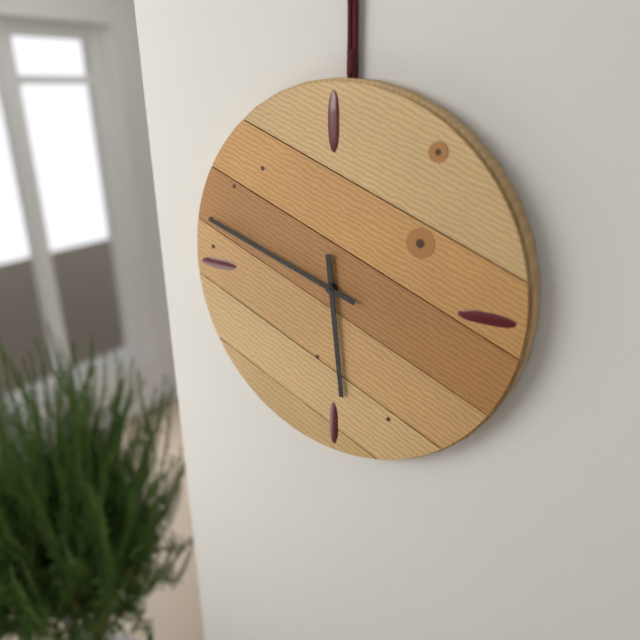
5 h 48 min
